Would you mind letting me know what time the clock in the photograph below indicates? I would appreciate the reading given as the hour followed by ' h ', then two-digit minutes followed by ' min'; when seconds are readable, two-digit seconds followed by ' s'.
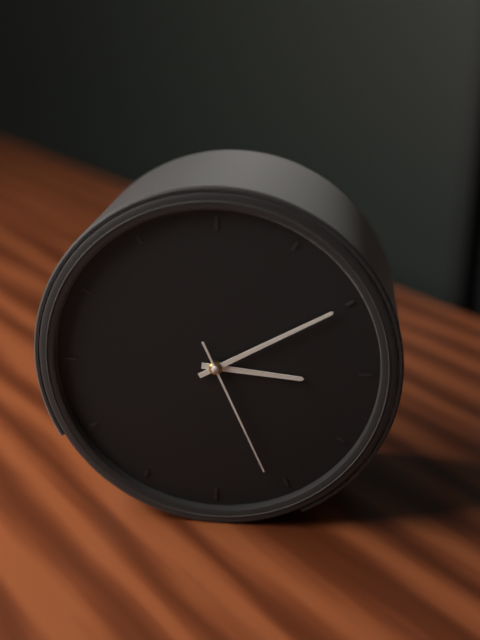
3 h 10 min 26 s
